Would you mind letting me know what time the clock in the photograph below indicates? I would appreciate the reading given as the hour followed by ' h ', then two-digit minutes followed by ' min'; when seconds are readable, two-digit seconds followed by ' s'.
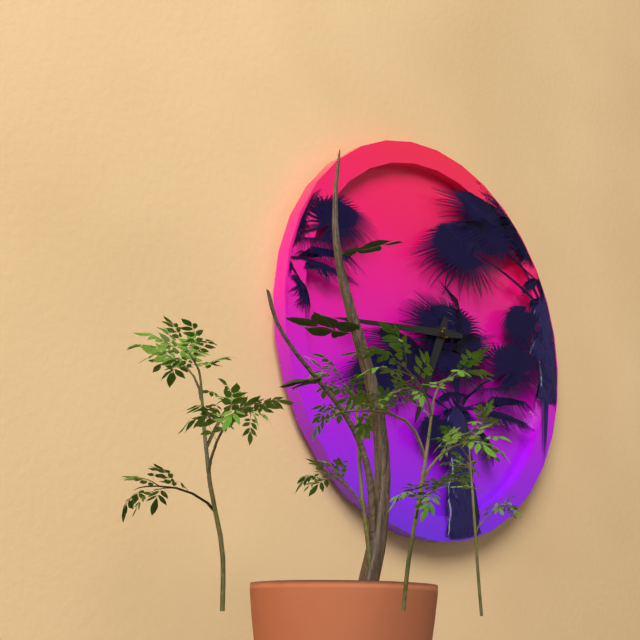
6 h 44 min
